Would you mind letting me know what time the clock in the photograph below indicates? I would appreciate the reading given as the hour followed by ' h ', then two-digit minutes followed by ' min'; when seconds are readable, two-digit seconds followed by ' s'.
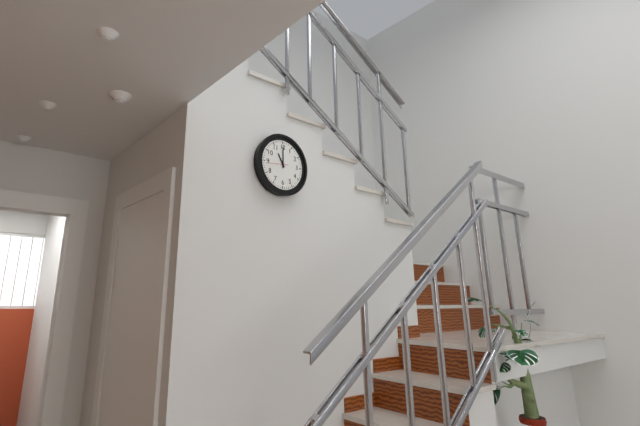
11 h 00 min
